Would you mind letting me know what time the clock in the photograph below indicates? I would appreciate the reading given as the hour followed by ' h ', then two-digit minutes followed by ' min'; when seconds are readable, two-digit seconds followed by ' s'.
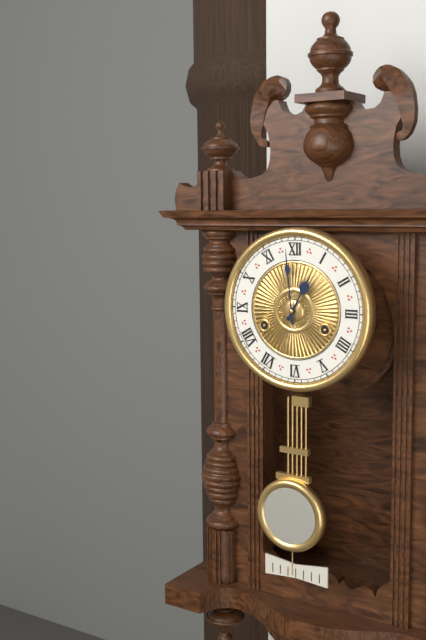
12 h 59 min
